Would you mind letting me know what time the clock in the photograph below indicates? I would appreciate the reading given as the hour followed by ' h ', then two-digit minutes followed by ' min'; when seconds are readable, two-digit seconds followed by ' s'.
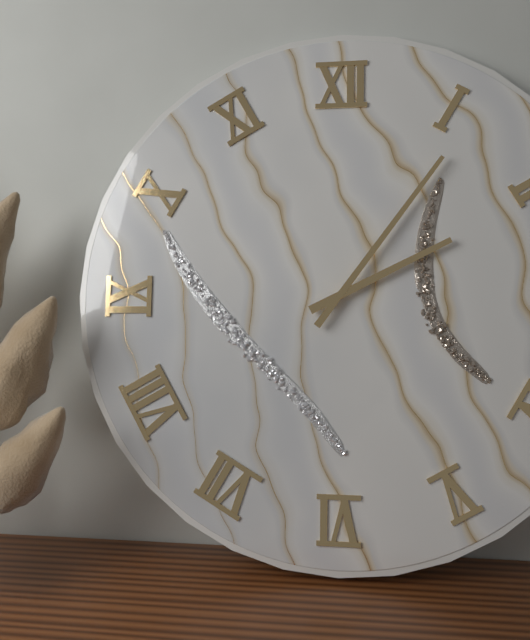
2 h 06 min
